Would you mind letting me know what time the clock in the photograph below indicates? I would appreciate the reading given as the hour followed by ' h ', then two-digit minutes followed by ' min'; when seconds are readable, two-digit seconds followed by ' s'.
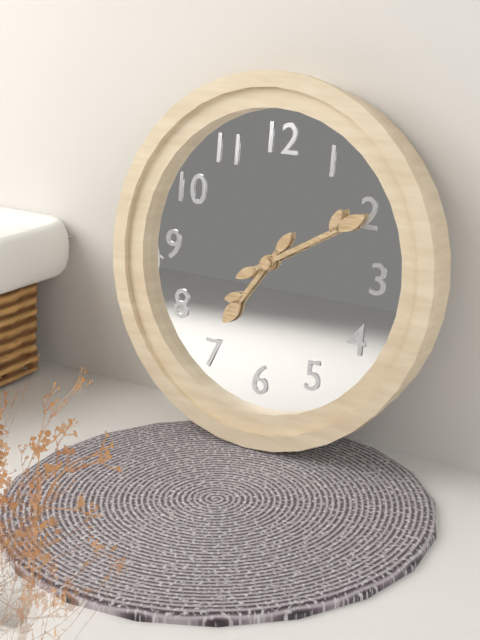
7 h 10 min
